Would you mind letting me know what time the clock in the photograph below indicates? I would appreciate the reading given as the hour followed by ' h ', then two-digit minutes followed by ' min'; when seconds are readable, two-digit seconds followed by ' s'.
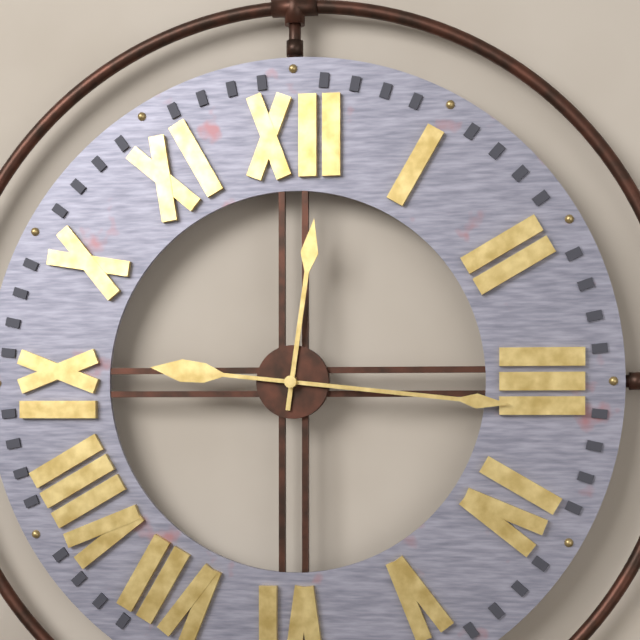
12 h 16 min
